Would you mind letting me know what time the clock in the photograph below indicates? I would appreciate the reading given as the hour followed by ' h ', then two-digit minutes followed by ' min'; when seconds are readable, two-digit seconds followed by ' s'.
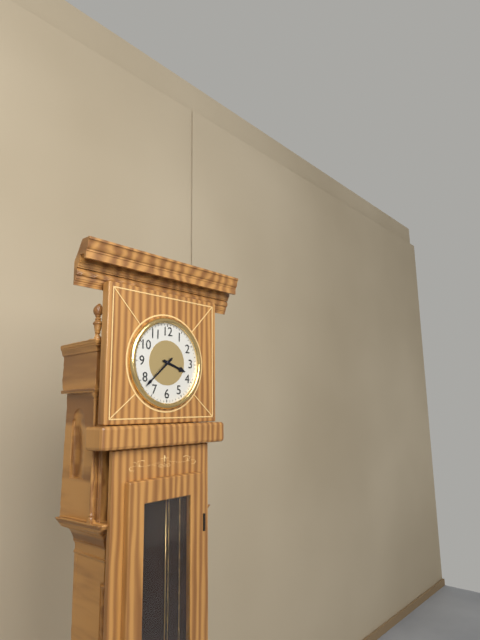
3 h 38 min
